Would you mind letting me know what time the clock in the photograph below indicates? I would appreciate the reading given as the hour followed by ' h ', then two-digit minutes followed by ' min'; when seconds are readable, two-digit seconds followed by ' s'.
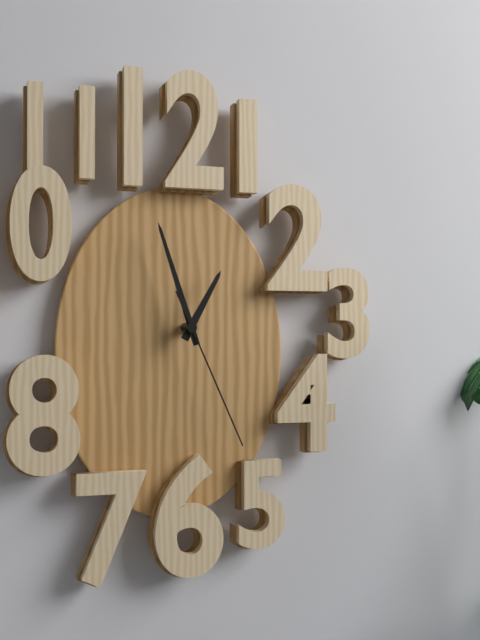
12 h 57 min 26 s
